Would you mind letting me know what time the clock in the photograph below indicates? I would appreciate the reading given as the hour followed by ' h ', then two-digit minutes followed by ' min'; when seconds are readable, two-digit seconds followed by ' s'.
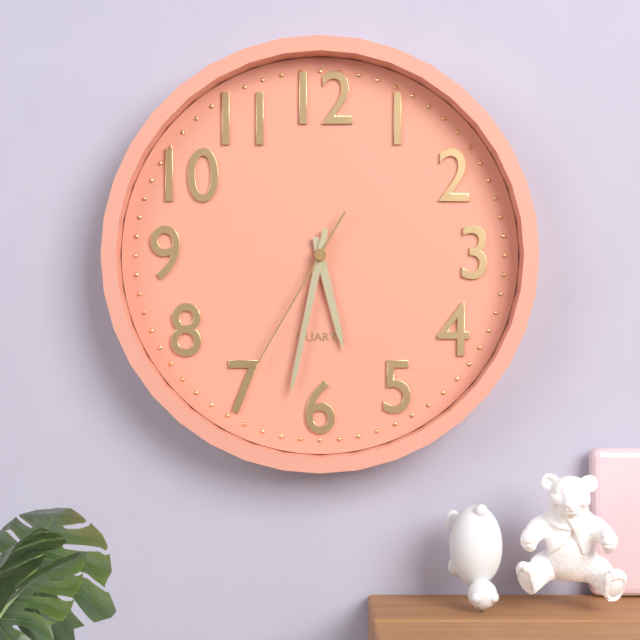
5 h 32 min 35 s
